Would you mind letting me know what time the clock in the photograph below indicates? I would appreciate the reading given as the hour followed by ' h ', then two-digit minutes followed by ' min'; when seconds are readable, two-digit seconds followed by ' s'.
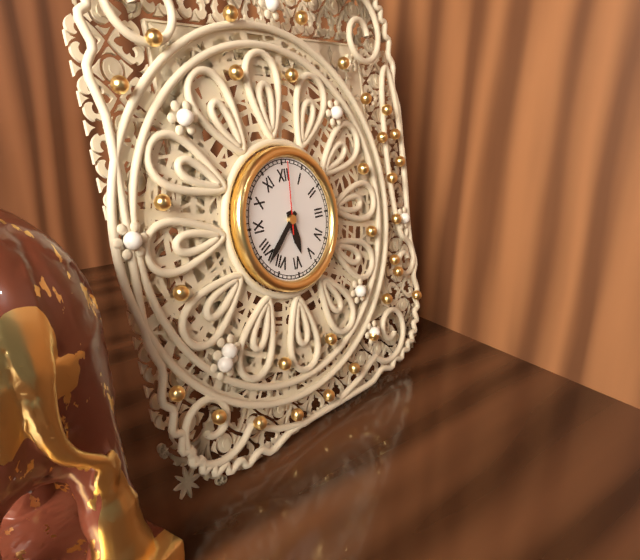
5 h 38 min 01 s
